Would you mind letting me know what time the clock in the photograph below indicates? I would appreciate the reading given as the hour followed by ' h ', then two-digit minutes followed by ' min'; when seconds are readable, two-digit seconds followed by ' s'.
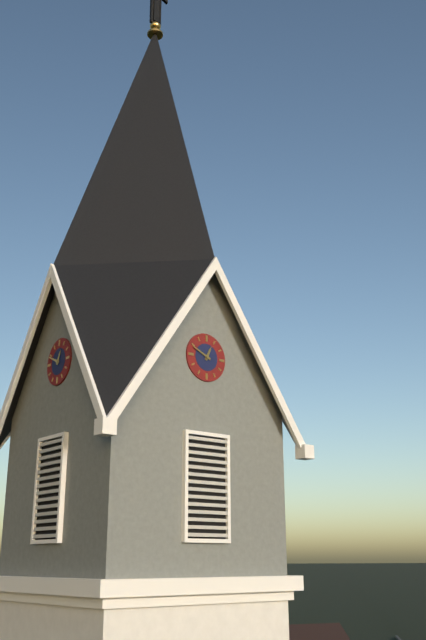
12 h 49 min
